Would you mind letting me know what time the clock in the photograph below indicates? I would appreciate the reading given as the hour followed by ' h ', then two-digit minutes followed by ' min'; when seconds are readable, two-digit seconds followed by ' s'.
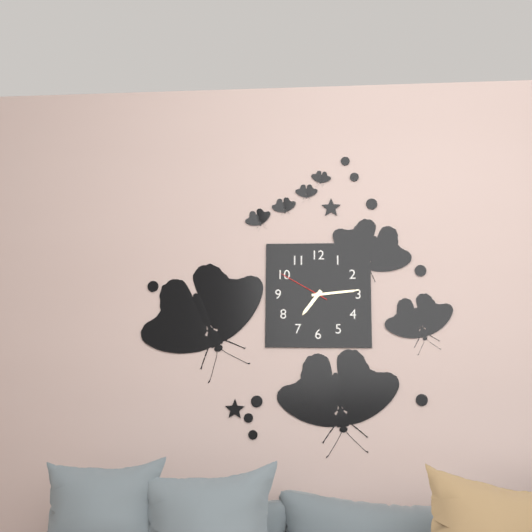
7 h 14 min 50 s
